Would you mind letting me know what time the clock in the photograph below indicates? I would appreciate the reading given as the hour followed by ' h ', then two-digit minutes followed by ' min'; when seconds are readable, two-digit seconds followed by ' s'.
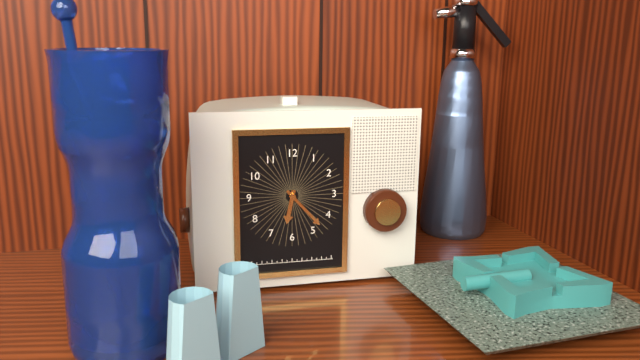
6 h 23 min
